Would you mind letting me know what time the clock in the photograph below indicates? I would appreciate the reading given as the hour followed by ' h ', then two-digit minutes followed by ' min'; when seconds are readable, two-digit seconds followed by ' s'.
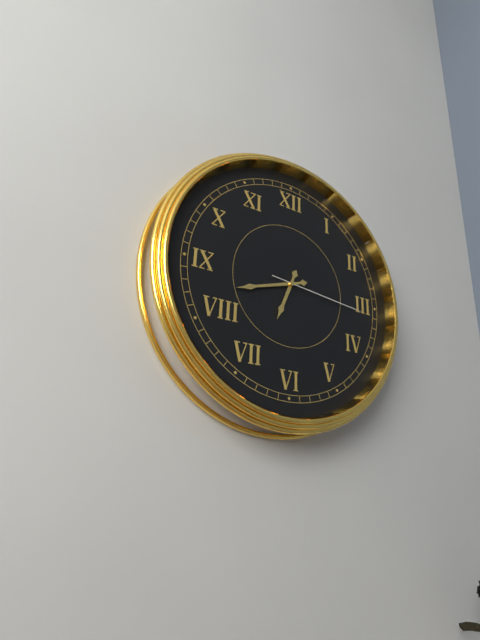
6 h 42 min 16 s
